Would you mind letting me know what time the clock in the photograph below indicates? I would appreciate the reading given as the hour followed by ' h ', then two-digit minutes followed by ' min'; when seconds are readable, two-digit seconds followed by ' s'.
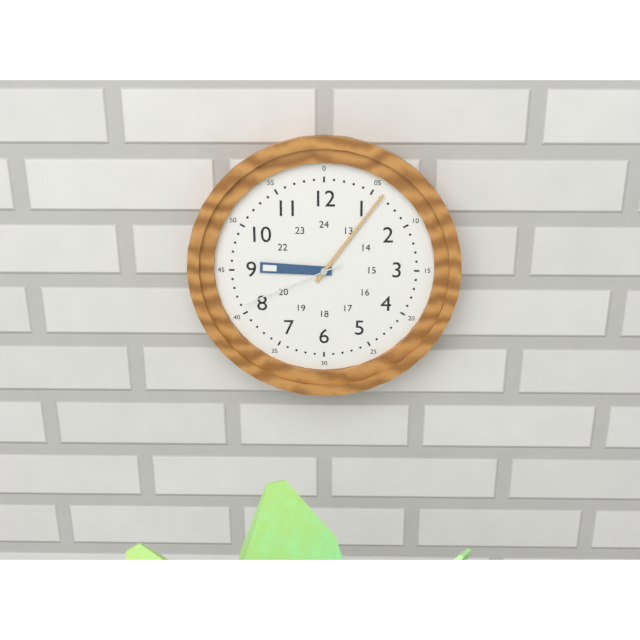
9 h 06 min 41 s
